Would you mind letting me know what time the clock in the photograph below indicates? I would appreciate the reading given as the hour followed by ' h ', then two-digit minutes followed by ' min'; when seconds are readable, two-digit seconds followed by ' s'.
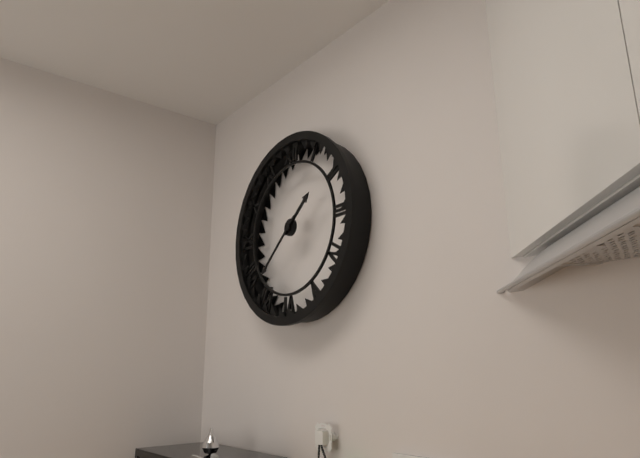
1 h 38 min
